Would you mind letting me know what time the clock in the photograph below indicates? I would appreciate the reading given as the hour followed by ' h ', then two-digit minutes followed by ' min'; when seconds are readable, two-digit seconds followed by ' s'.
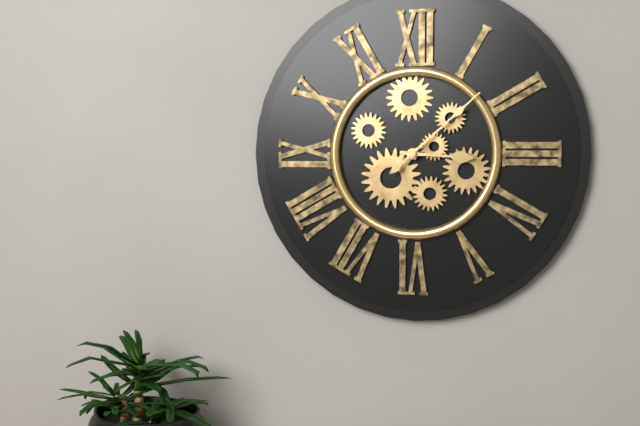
3 h 08 min
